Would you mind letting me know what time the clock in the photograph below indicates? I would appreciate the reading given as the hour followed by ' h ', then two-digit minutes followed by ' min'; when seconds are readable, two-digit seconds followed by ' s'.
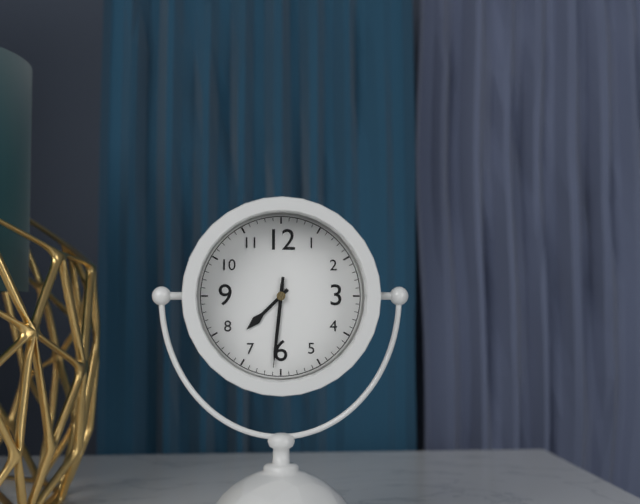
7 h 31 min 31 s
